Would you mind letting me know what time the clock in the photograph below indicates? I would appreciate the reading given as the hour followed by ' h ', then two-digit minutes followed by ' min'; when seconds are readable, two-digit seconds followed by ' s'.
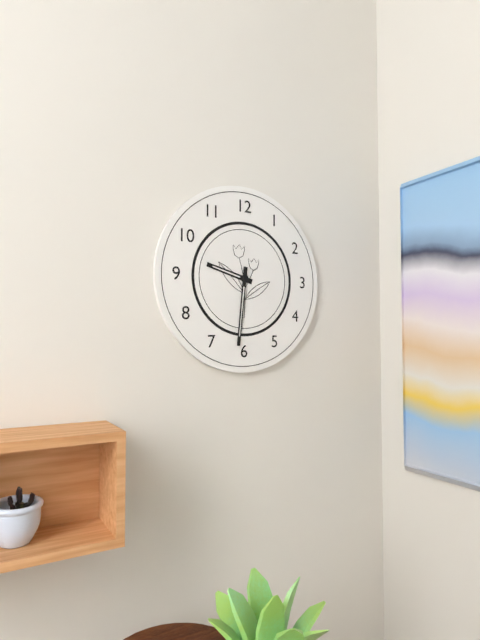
9 h 31 min
